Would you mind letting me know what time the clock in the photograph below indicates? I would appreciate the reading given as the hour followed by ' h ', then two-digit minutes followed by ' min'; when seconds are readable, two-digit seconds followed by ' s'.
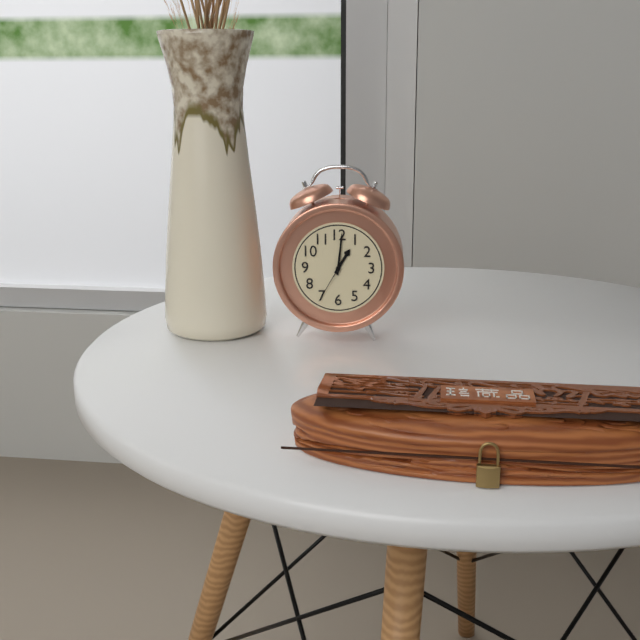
1 h 01 min
